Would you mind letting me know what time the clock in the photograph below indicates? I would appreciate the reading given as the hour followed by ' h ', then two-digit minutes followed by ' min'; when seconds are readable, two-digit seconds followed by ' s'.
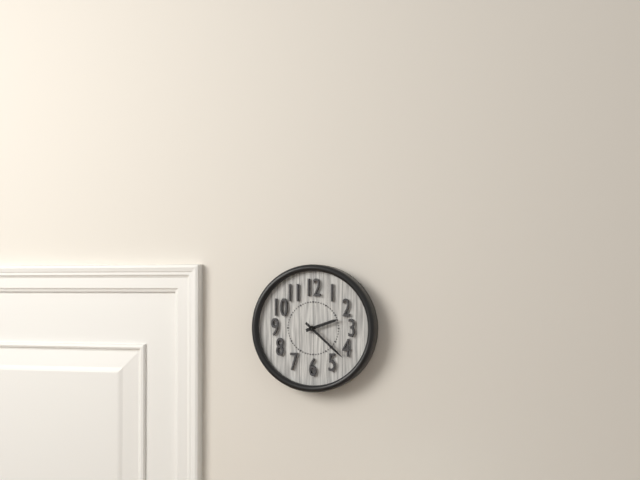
2 h 22 min
